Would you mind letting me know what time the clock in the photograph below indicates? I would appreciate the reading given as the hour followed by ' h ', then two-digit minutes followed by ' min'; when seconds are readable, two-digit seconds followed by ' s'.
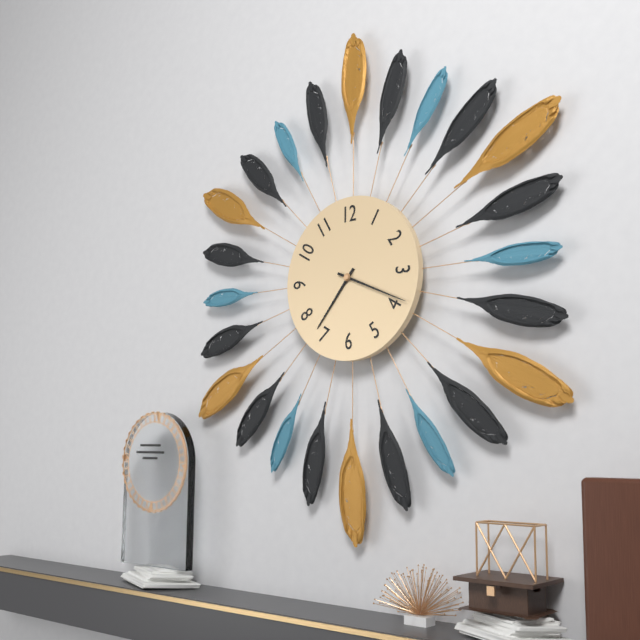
7 h 19 min
